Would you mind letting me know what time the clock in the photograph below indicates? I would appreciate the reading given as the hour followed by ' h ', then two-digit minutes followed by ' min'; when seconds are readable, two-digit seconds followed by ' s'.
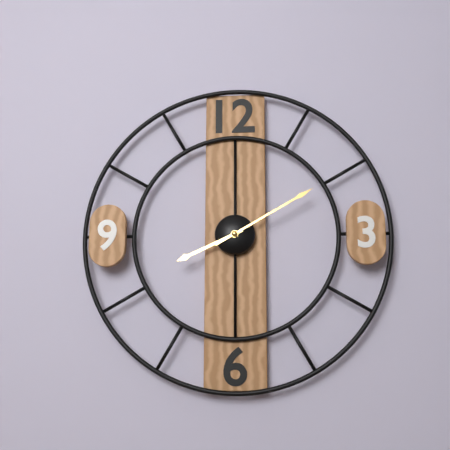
8 h 10 min
